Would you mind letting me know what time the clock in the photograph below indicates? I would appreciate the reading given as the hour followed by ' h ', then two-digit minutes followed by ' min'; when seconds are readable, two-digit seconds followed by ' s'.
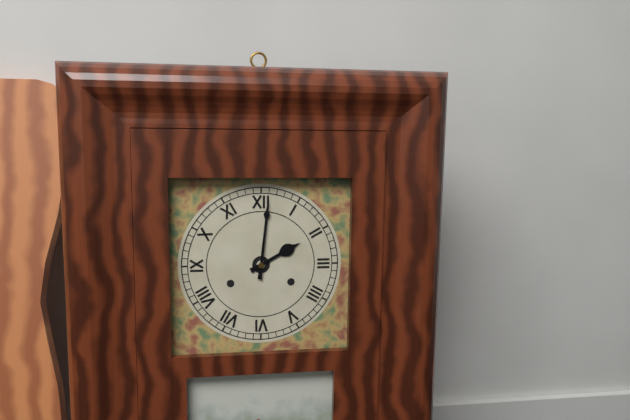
2 h 01 min
